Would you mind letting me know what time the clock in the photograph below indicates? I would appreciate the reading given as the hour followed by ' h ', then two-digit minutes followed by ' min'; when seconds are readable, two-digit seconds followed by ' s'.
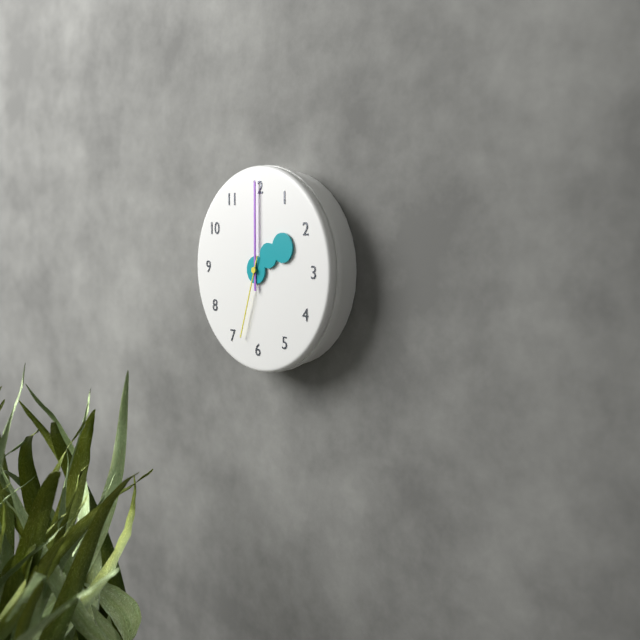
2 h 00 min 33 s
